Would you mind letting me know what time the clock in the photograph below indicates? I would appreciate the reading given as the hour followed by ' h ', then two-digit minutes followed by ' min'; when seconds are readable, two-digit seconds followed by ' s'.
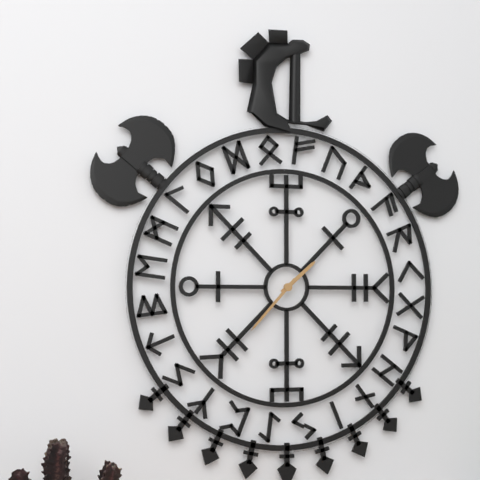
1 h 37 min
